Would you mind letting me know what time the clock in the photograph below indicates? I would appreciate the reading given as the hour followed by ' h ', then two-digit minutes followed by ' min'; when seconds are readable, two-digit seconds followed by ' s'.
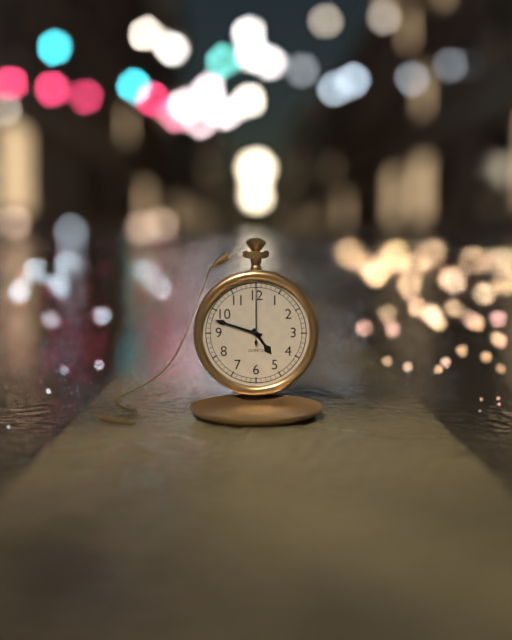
4 h 48 min 00 s
